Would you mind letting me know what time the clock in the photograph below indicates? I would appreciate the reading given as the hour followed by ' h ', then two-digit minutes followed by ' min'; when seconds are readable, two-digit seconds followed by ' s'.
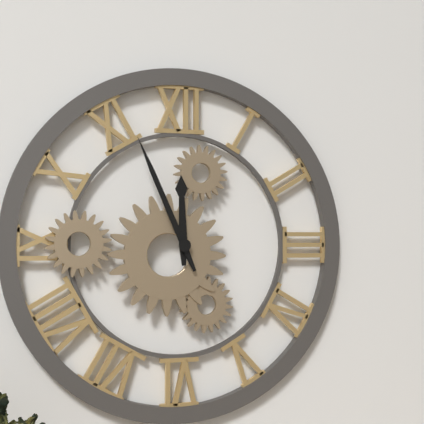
11 h 56 min
